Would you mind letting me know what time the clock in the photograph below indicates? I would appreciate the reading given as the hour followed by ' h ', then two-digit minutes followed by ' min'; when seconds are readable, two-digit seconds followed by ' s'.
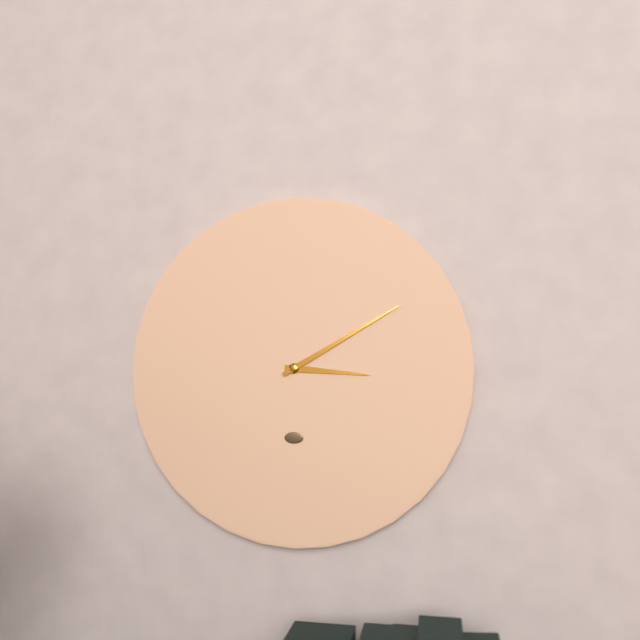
3 h 10 min
